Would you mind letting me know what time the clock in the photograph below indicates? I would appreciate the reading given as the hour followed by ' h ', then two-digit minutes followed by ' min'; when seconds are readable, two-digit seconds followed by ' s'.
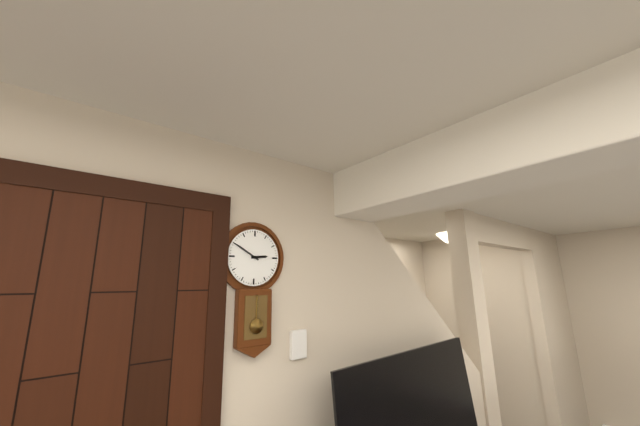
2 h 50 min
